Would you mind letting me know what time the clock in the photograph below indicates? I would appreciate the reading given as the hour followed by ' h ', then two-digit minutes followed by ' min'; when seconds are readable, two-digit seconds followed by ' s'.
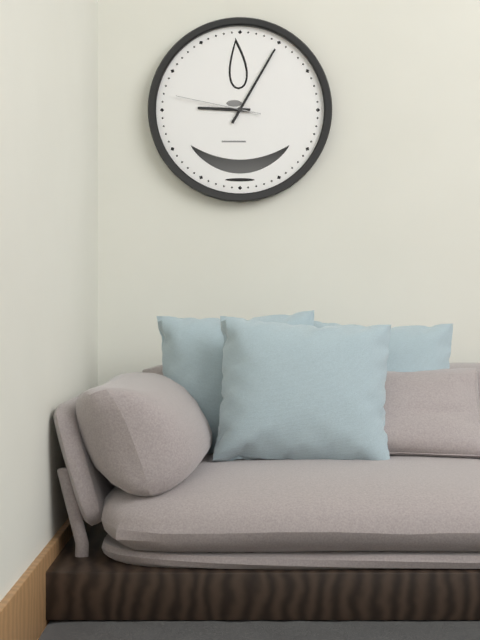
9 h 05 min 47 s
